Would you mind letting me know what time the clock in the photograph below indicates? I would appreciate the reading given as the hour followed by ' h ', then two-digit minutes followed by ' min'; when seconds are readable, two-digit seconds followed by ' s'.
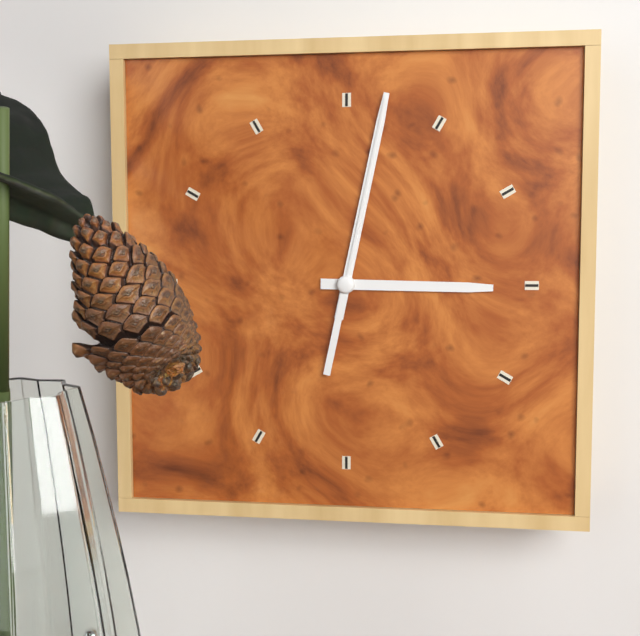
3 h 02 min 02 s
